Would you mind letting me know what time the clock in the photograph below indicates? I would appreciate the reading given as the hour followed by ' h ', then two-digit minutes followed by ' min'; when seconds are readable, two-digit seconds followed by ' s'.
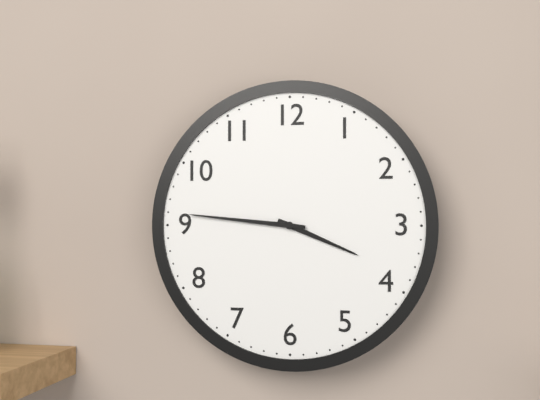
3 h 46 min
